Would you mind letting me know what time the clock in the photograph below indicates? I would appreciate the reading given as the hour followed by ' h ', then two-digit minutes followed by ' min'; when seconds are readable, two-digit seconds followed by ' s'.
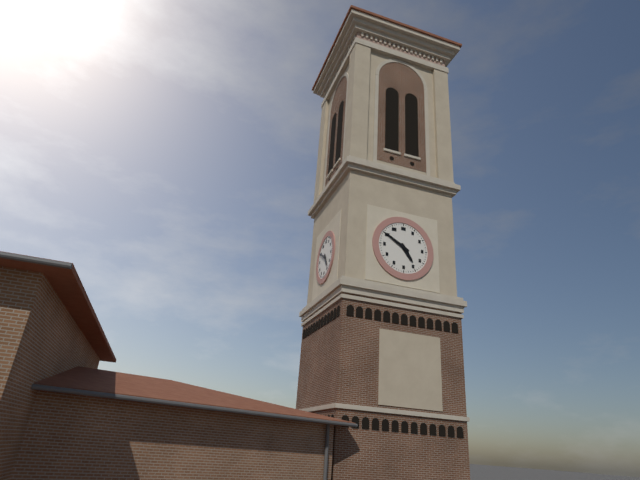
4 h 50 min
